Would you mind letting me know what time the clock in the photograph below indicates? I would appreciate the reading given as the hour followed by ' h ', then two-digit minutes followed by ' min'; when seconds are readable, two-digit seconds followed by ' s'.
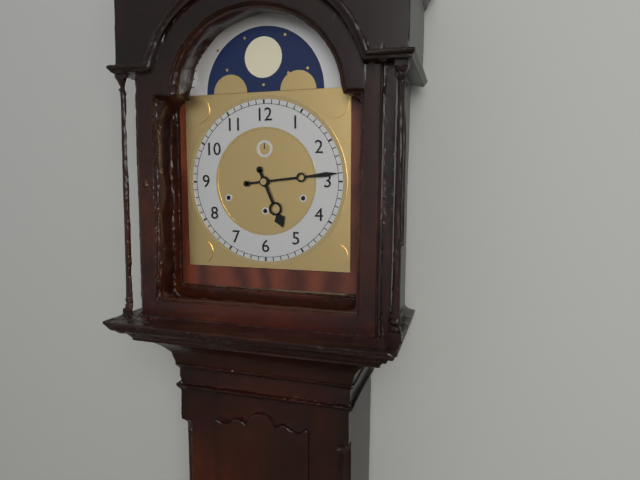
5 h 14 min
